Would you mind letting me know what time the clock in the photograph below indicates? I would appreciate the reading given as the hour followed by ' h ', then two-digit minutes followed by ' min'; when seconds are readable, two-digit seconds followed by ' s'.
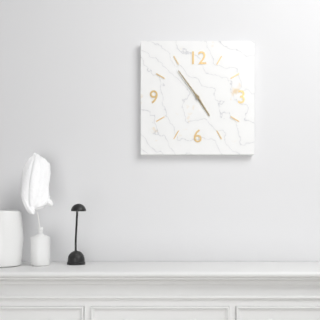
4 h 54 min
